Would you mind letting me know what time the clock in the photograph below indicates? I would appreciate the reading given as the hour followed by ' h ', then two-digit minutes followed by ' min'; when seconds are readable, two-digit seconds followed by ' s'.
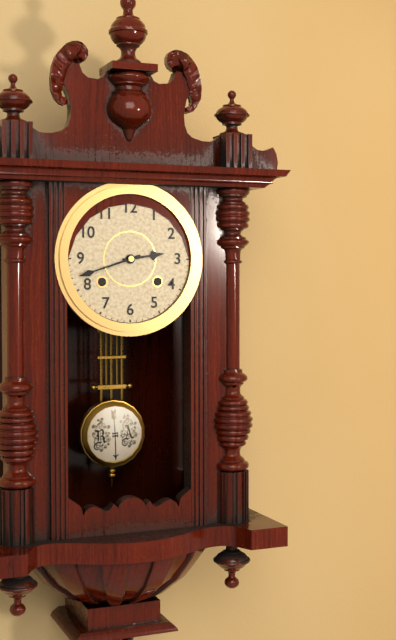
2 h 42 min
